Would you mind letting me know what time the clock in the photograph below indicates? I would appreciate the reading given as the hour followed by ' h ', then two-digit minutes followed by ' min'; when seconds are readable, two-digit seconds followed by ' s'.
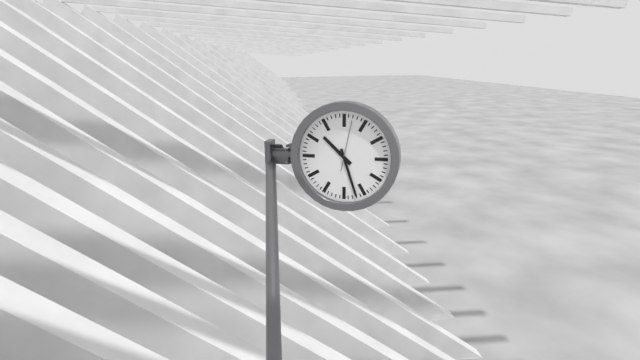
10 h 27 min
